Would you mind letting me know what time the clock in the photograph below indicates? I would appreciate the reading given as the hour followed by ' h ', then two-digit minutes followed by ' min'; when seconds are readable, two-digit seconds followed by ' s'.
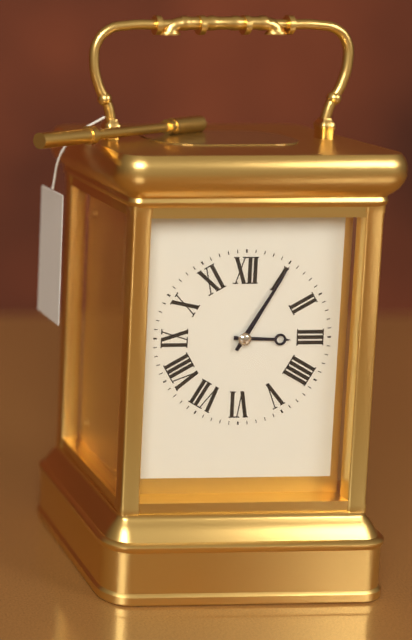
3 h 05 min
